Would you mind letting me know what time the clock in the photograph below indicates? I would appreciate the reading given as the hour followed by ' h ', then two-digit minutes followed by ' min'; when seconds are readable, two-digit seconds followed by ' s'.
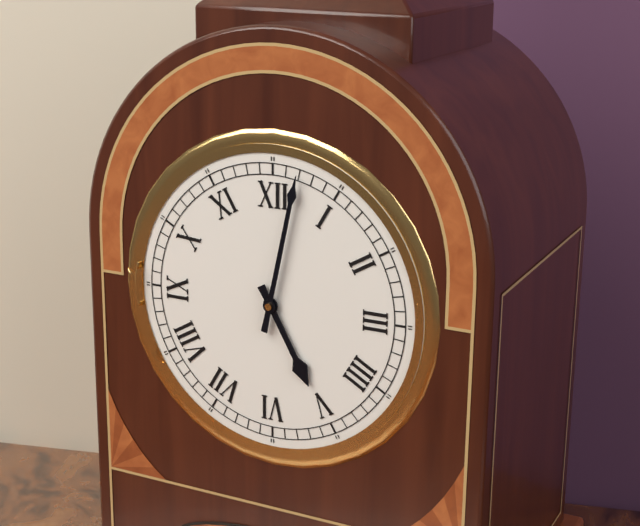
5 h 02 min
